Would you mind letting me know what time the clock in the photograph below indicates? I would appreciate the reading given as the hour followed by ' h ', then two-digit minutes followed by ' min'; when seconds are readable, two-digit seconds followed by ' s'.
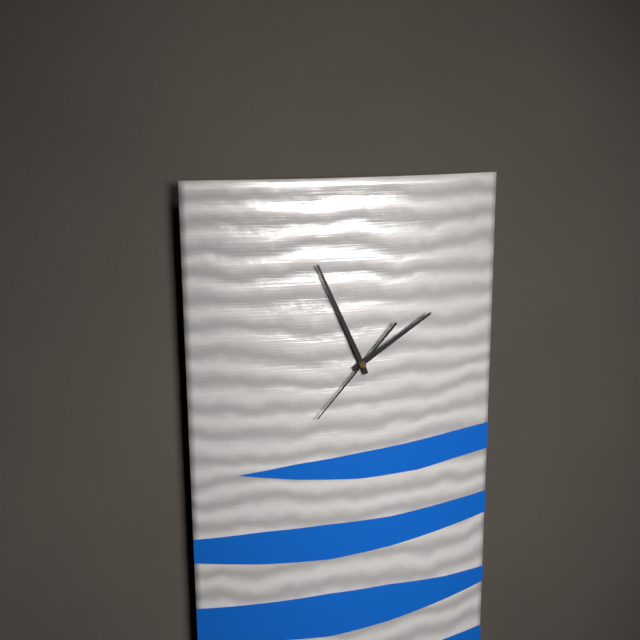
1 h 56 min 37 s
